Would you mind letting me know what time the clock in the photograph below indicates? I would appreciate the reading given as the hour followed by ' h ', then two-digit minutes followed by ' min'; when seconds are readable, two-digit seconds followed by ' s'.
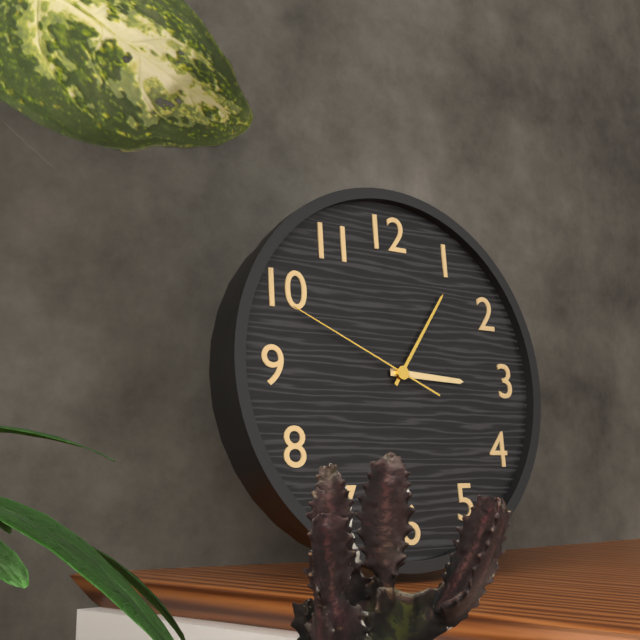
3 h 06 min 49 s
